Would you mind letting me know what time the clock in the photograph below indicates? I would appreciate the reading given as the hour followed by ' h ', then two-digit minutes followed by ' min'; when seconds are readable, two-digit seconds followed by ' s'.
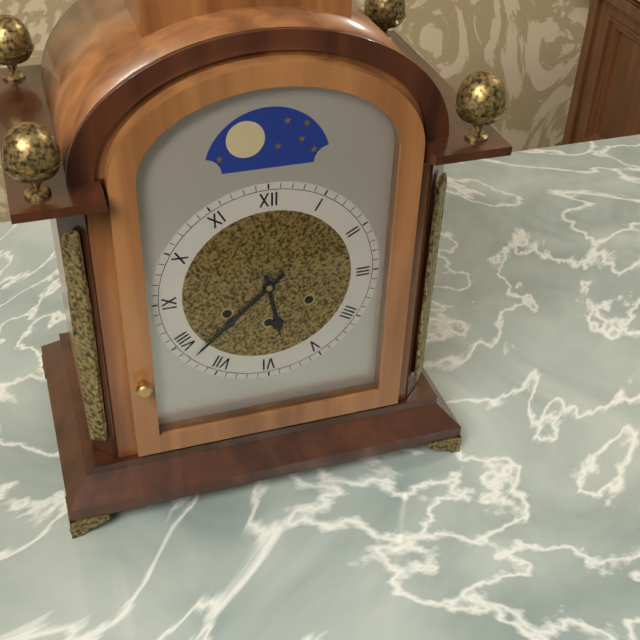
5 h 38 min
